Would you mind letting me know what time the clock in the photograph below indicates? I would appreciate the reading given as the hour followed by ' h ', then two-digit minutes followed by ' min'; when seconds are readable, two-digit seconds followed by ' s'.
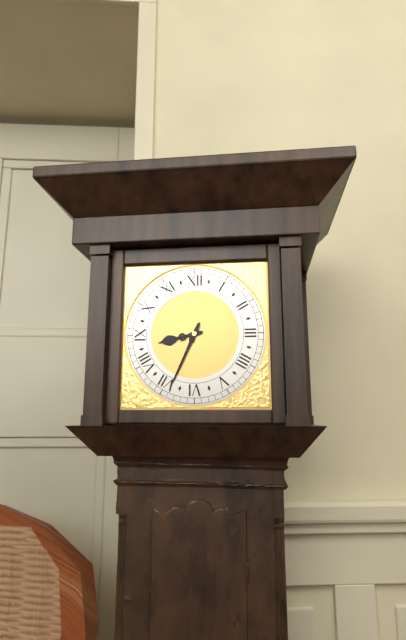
8 h 34 min
